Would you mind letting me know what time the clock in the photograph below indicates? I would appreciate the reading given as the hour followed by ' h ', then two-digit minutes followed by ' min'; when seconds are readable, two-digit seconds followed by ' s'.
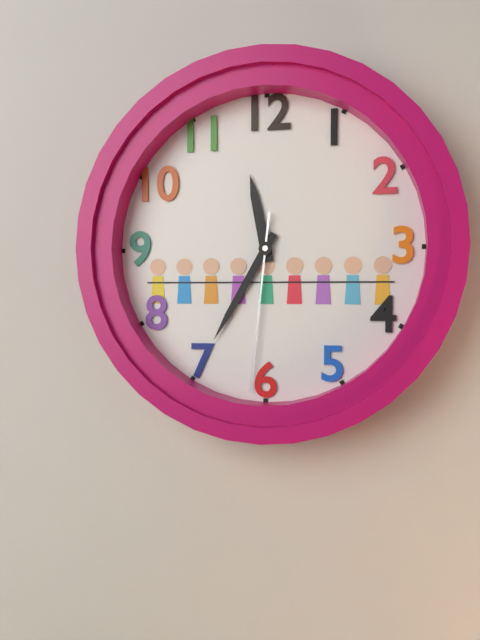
11 h 35 min 31 s
